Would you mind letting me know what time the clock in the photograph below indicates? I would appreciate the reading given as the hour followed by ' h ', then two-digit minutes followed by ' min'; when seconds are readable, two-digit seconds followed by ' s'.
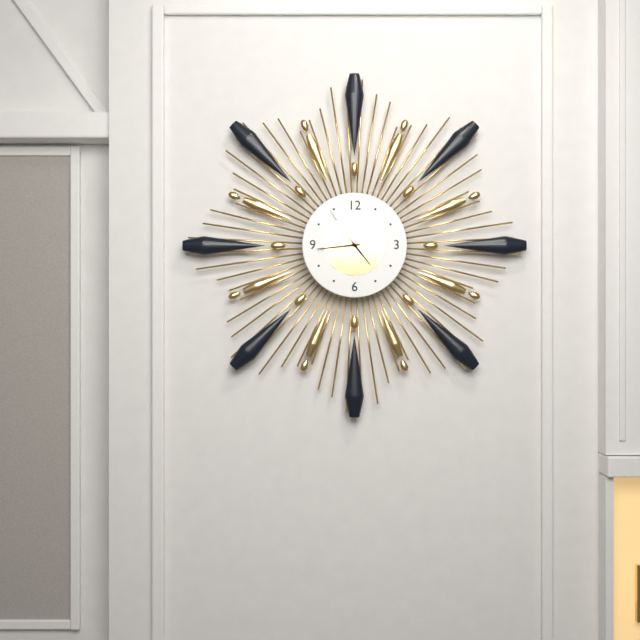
4 h 44 min 54 s
